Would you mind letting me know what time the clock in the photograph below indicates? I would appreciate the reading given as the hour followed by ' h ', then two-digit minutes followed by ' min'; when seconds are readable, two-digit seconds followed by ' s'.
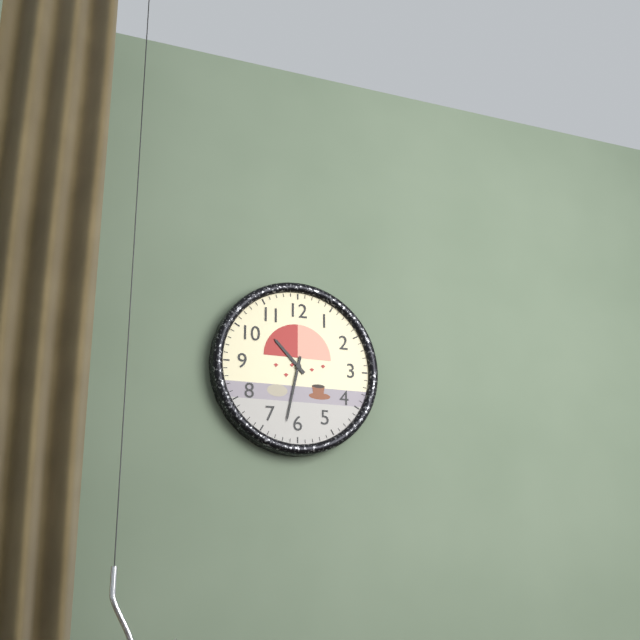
10 h 32 min
